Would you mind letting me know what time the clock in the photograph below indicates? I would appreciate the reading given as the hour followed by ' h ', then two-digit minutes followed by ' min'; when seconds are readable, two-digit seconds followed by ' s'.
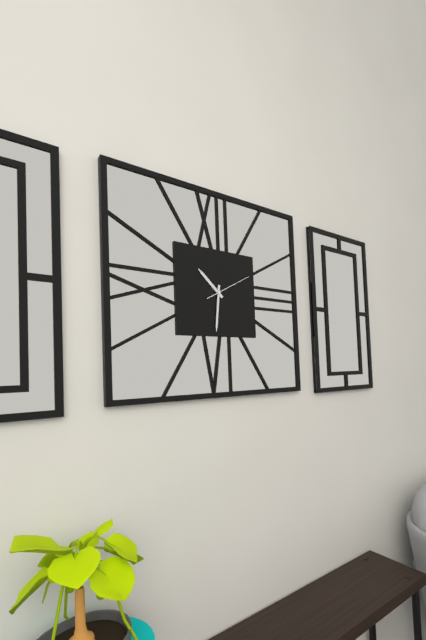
10 h 31 min
